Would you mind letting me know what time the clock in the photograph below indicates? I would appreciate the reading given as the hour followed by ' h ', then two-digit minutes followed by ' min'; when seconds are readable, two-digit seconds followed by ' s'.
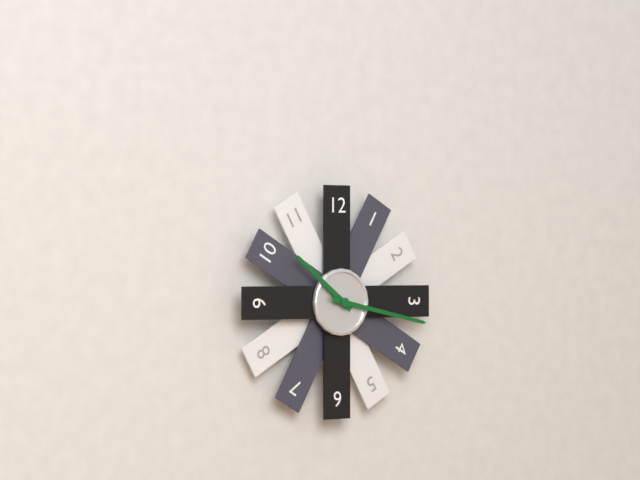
10 h 17 min
